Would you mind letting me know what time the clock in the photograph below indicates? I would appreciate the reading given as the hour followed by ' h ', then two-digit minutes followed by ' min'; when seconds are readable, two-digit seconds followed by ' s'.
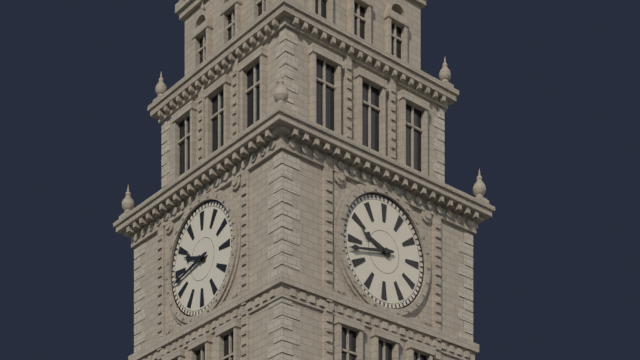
9 h 43 min
